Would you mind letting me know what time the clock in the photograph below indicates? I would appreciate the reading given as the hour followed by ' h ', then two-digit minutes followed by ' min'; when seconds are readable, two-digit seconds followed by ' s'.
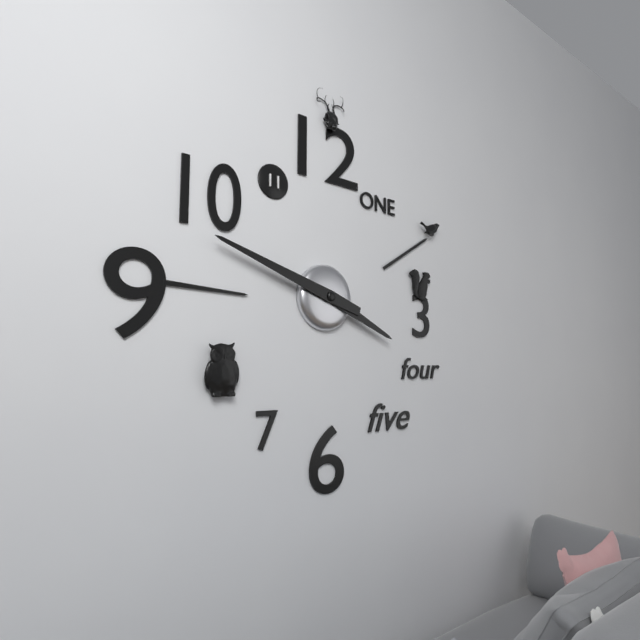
3 h 48 min
